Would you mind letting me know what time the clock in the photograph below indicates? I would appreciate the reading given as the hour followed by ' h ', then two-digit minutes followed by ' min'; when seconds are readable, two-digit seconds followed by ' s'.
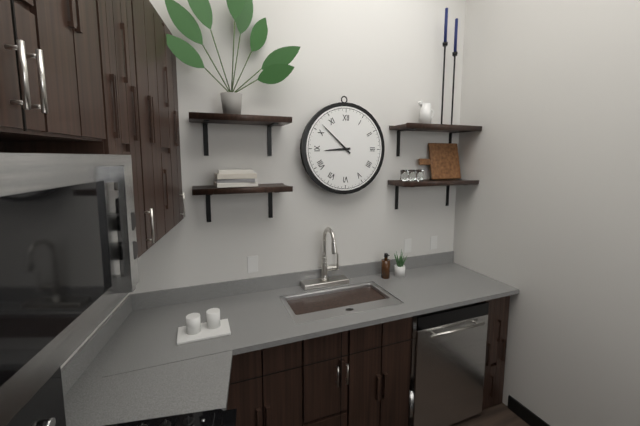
8 h 52 min
